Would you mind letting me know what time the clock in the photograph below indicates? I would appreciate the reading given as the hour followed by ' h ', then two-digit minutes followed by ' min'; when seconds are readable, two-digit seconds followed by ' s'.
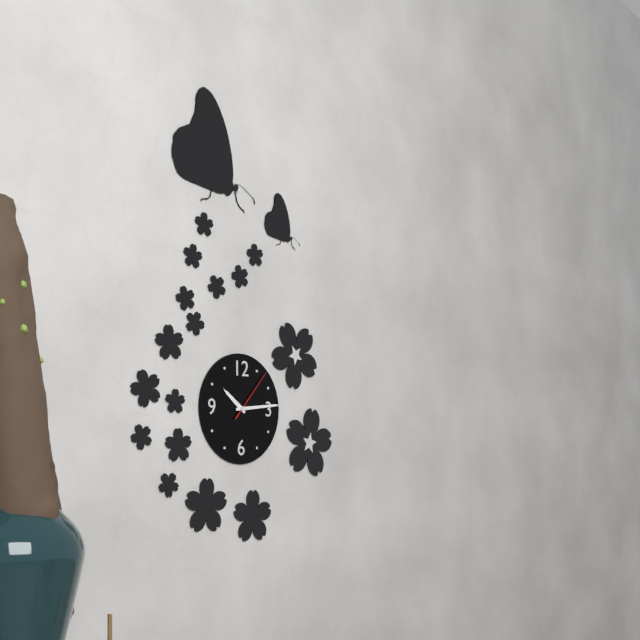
10 h 14 min 07 s
